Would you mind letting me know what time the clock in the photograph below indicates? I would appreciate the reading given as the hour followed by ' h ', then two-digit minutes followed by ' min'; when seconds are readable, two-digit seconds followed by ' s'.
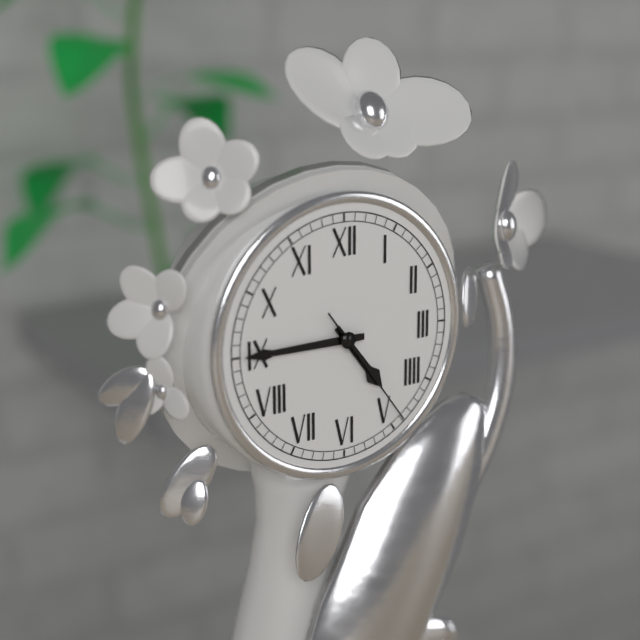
4 h 45 min 24 s
